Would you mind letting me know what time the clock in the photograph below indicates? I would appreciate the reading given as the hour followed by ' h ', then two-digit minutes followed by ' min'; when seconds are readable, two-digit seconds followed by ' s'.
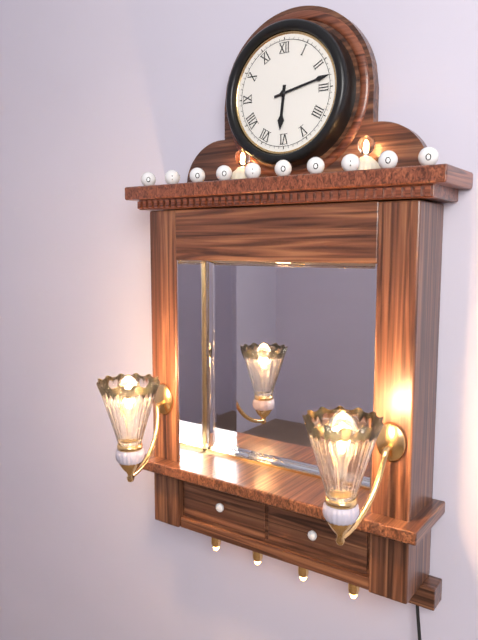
6 h 13 min
